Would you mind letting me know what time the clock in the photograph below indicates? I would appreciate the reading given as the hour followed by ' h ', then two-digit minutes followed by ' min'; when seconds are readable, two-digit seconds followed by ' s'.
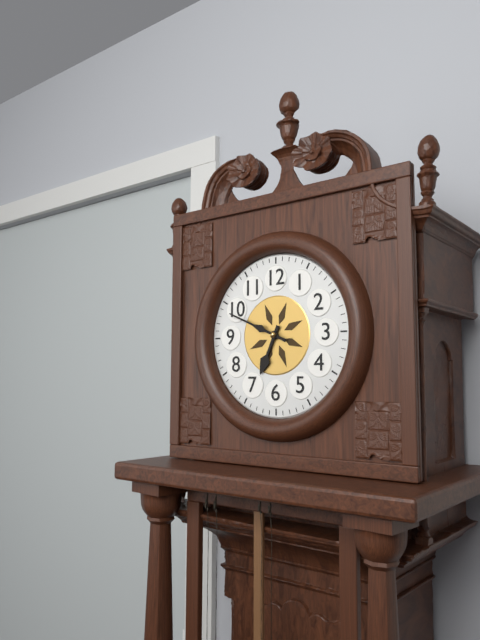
6 h 49 min
